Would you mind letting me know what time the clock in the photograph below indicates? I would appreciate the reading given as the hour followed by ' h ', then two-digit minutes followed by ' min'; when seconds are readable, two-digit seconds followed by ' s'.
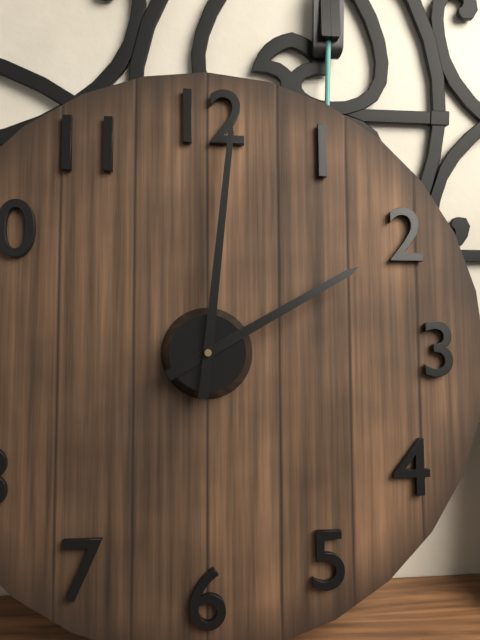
2 h 01 min
